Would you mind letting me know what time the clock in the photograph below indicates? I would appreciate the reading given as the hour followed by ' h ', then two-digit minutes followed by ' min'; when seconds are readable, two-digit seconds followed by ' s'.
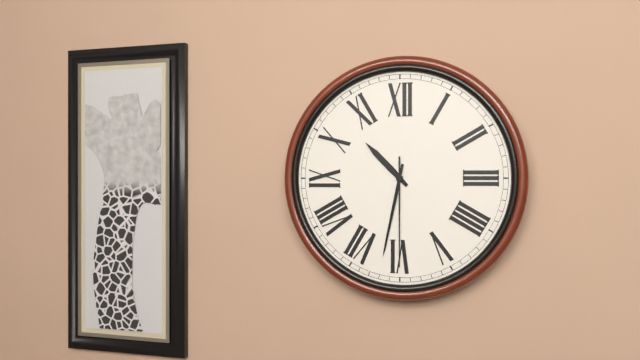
10 h 32 min 30 s
